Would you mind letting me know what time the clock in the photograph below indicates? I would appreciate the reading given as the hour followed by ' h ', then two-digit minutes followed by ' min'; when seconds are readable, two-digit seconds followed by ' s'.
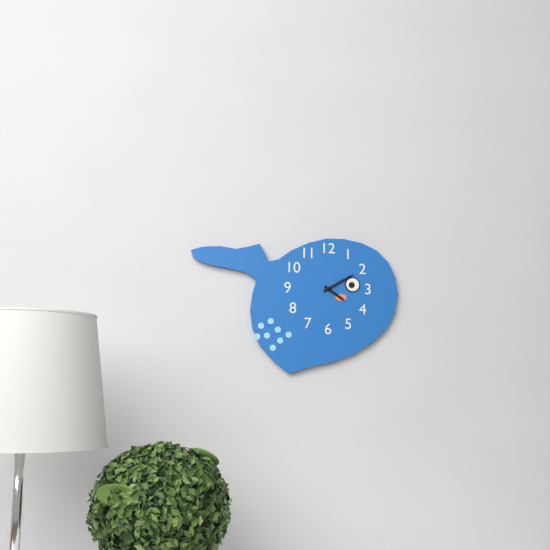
4 h 10 min
